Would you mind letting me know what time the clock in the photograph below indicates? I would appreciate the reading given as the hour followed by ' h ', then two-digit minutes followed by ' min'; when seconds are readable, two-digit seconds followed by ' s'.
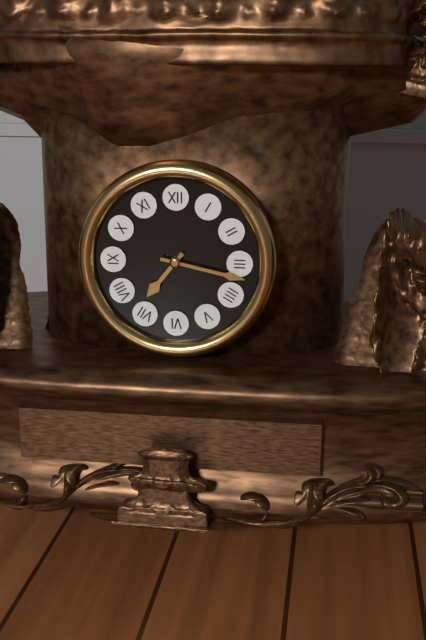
7 h 17 min
